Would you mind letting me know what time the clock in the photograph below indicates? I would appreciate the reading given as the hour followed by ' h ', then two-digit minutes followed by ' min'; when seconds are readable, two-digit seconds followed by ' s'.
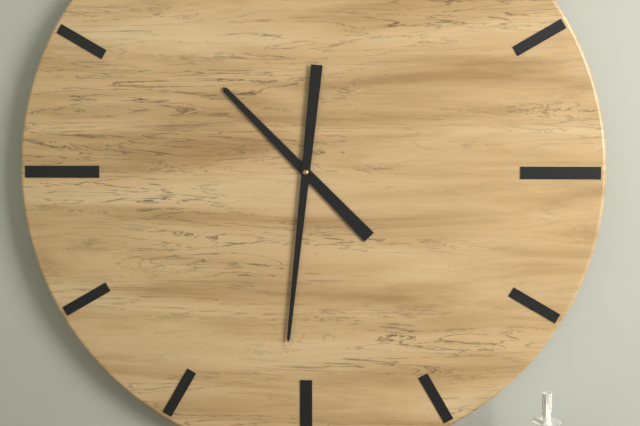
10 h 31 min
